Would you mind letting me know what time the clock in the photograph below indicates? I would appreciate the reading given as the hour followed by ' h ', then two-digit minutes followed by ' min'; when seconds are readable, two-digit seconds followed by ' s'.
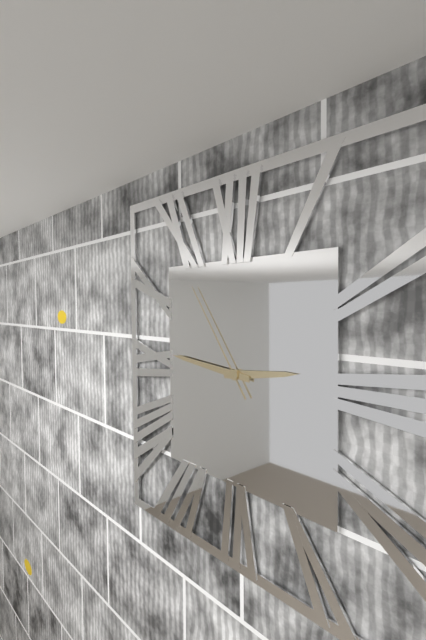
2 h 46 min 54 s
